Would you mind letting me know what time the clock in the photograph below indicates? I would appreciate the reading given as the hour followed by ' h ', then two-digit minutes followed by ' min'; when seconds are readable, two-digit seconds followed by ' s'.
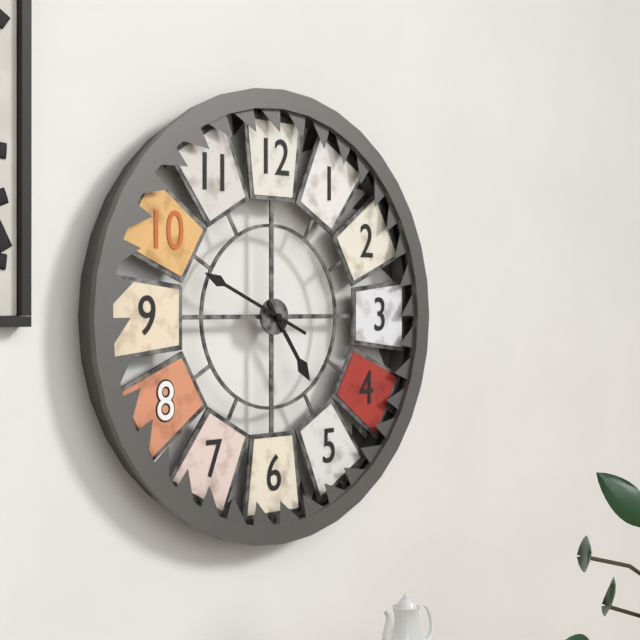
4 h 49 min
